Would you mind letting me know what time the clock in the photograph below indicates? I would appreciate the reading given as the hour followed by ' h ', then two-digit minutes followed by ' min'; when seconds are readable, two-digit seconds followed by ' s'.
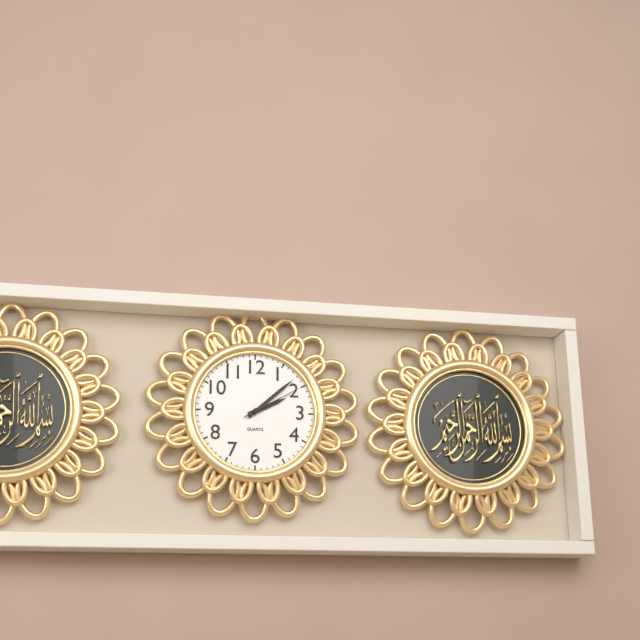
2 h 08 min 10 s
